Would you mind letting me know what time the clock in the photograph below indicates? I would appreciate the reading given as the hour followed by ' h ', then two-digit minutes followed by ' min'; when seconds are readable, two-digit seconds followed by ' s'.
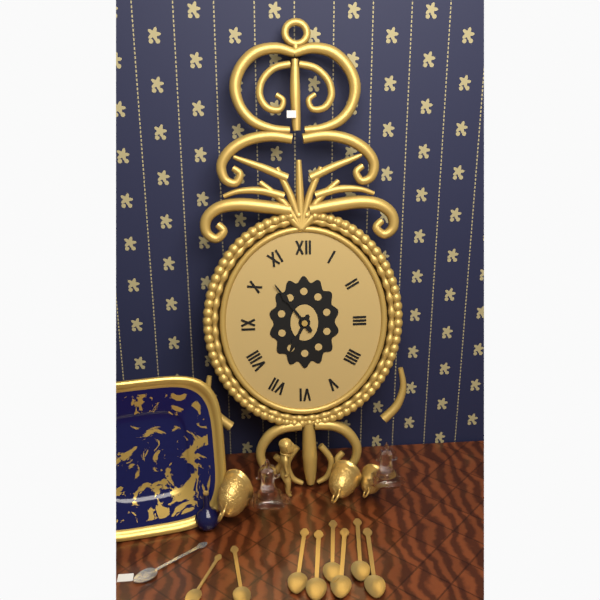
6 h 54 min
